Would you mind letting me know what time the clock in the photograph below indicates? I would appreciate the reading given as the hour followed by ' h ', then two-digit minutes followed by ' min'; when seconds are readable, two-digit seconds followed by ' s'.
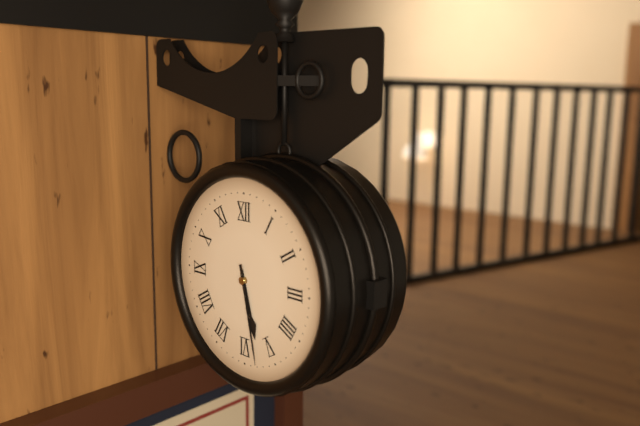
5 h 28 min
